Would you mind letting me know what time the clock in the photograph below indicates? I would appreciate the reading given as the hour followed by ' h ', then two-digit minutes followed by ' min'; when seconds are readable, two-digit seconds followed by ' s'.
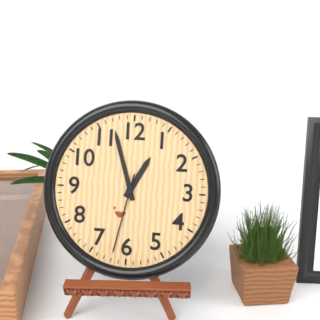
12 h 57 min 32 s
